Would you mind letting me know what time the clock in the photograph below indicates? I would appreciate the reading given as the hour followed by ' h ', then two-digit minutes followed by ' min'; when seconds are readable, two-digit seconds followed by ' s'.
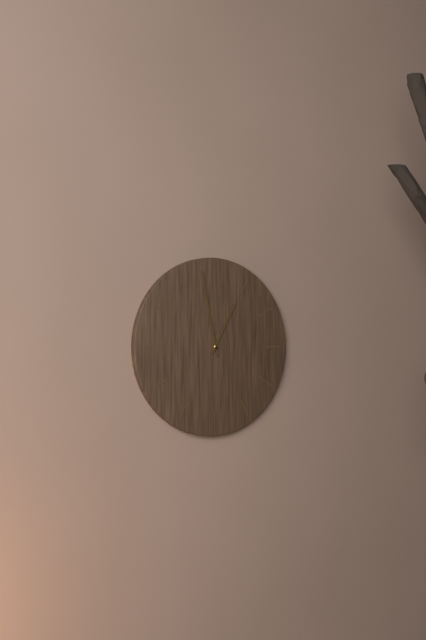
12 h 58 min
